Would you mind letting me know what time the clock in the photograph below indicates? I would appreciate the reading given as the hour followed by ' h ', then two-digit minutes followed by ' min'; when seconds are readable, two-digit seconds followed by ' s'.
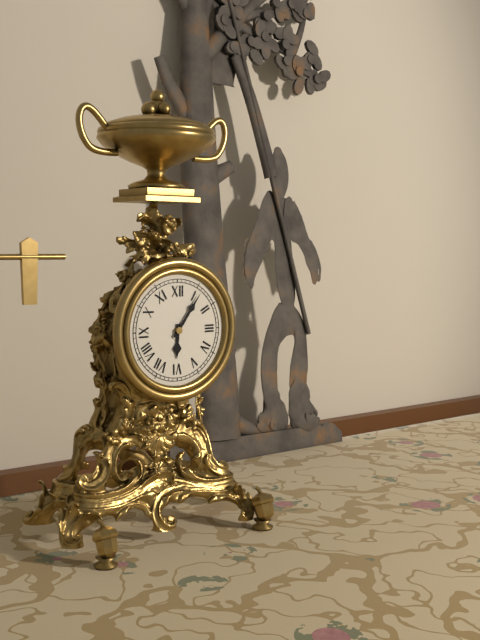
6 h 06 min
